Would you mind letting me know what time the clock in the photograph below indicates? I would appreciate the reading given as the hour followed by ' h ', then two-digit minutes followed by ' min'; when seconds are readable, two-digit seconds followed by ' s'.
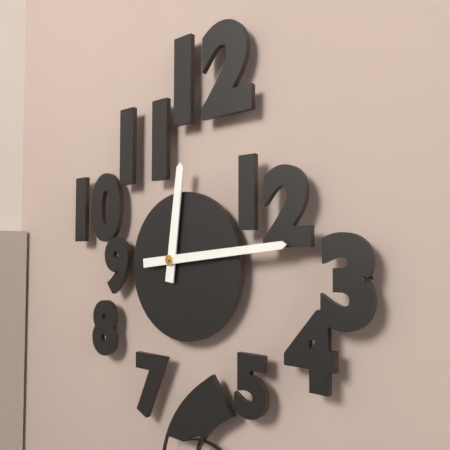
12 h 14 min
